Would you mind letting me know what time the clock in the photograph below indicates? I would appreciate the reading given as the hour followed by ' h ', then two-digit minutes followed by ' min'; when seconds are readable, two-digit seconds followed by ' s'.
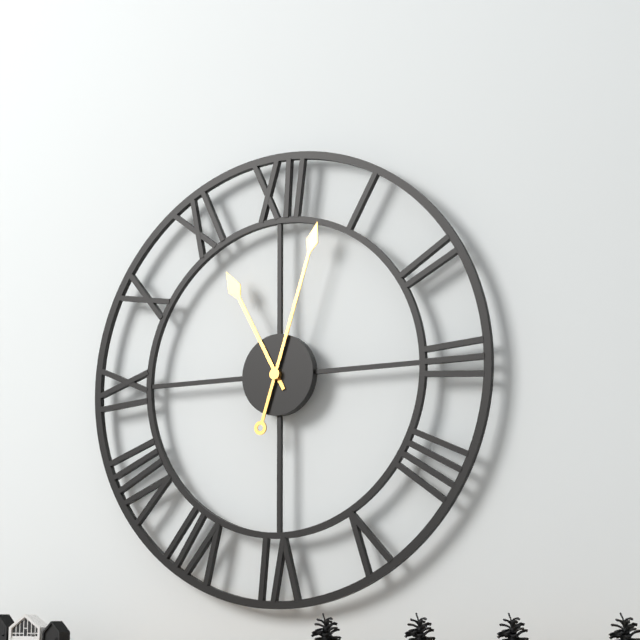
11 h 03 min
